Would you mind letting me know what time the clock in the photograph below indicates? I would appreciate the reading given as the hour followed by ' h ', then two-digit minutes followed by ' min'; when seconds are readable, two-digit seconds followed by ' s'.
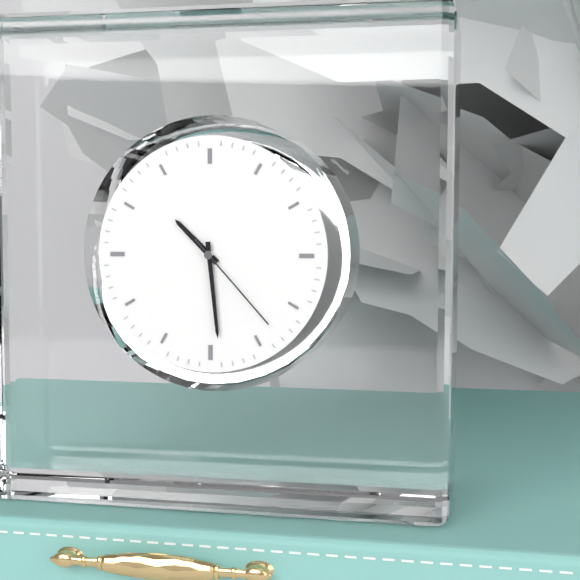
10 h 29 min 23 s
